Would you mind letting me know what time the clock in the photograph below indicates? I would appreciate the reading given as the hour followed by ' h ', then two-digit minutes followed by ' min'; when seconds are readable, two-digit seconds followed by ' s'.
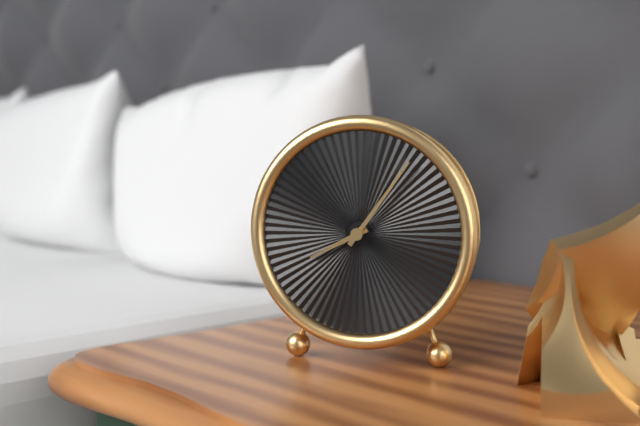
8 h 06 min
